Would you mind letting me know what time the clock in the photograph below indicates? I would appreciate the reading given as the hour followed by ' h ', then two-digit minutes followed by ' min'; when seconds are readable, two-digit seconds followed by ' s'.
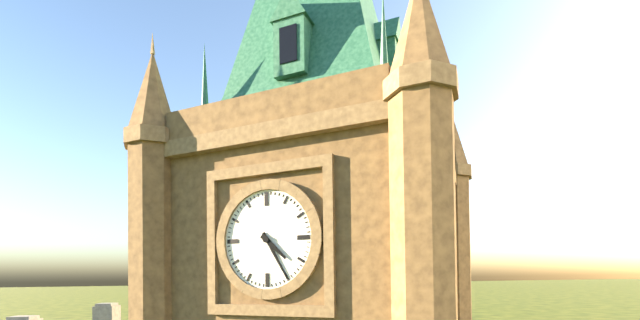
4 h 25 min
